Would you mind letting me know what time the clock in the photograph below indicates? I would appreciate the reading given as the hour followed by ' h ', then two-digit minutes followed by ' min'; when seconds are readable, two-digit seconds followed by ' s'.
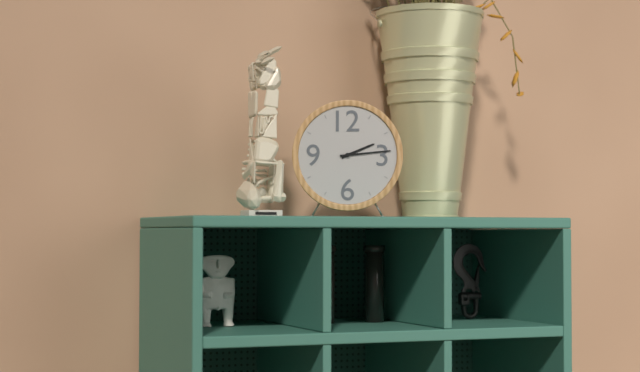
2 h 14 min
